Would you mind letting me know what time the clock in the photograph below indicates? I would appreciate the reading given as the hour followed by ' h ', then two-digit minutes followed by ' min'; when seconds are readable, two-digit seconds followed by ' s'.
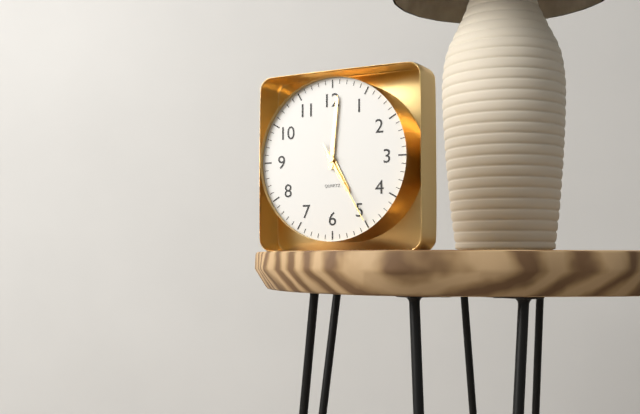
5 h 01 min 25 s
